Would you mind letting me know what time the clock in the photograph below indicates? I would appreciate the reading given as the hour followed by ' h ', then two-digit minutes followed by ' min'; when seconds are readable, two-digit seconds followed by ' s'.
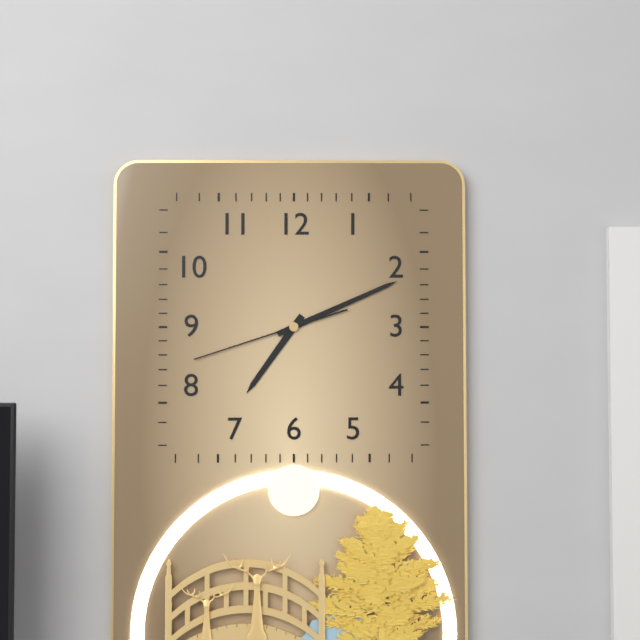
7 h 11 min 42 s
